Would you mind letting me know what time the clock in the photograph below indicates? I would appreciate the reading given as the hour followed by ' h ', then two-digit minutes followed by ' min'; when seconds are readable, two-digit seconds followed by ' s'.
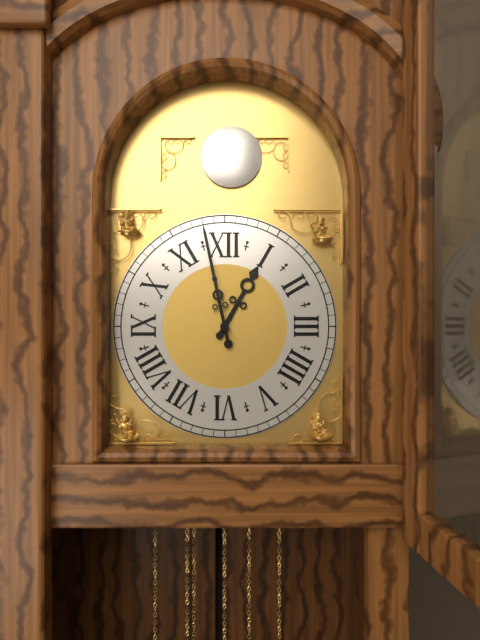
12 h 58 min
